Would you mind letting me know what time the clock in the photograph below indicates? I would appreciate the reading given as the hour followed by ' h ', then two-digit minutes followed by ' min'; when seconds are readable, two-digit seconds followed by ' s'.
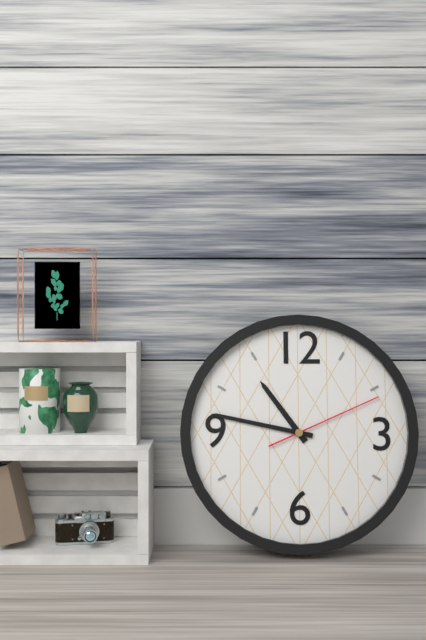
10 h 47 min 11 s
